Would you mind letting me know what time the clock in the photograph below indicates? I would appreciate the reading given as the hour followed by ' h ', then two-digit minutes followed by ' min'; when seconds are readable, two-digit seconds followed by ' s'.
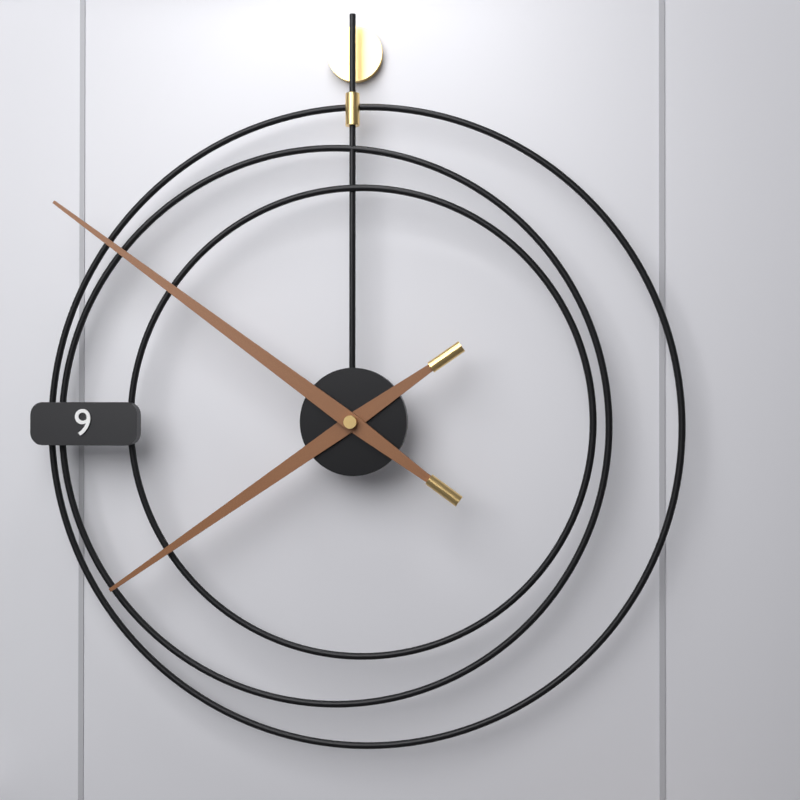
7 h 51 min
